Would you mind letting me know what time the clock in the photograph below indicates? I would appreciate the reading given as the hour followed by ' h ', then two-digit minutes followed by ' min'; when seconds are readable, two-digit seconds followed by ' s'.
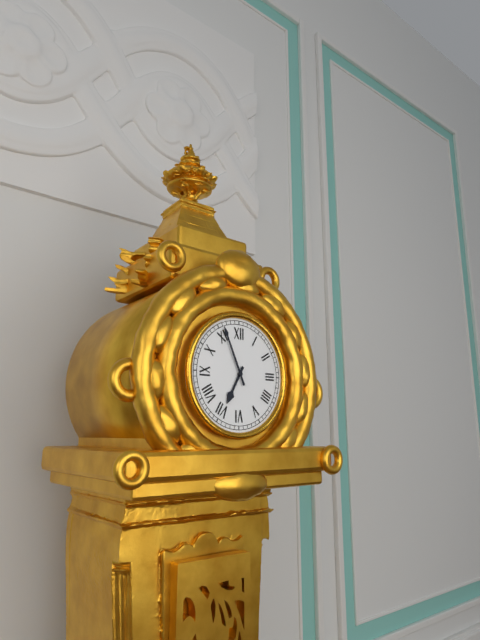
6 h 56 min
